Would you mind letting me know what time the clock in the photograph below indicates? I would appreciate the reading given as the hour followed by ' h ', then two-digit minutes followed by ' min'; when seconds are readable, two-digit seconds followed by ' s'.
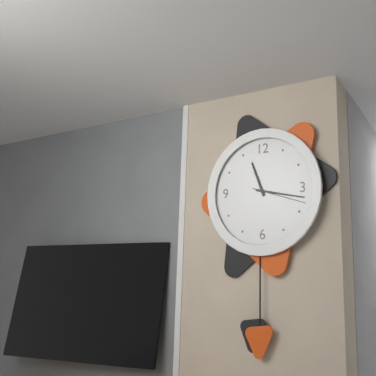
11 h 17 min 18 s
